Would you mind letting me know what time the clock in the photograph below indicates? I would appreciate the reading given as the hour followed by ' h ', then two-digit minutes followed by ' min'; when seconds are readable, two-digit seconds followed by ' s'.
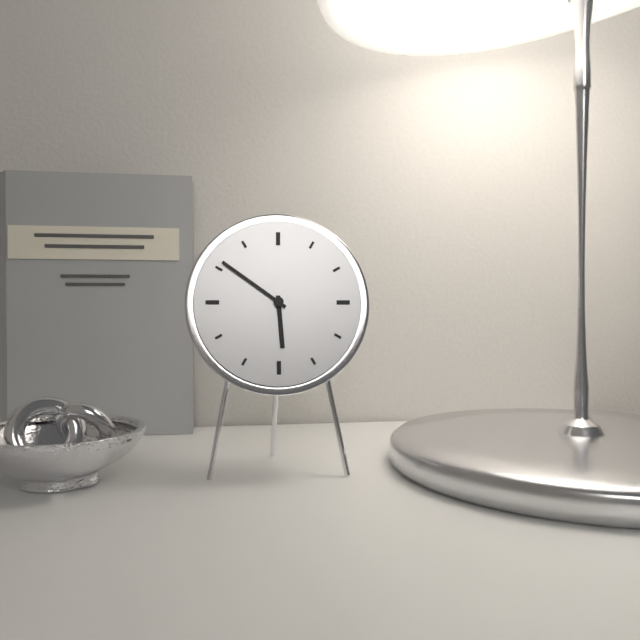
5 h 51 min
